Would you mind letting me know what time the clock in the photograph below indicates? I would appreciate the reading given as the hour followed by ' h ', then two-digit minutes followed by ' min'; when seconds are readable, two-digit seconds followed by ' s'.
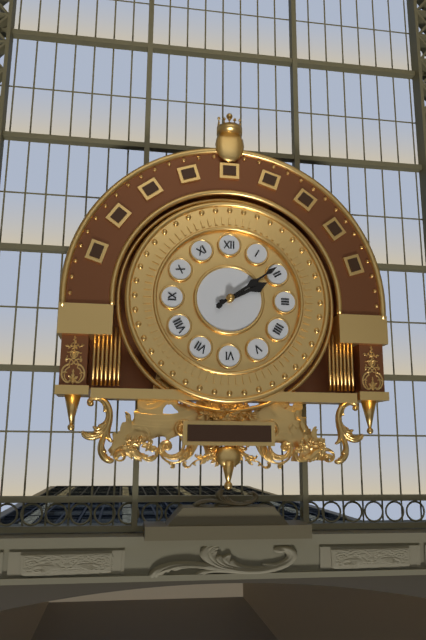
2 h 09 min
